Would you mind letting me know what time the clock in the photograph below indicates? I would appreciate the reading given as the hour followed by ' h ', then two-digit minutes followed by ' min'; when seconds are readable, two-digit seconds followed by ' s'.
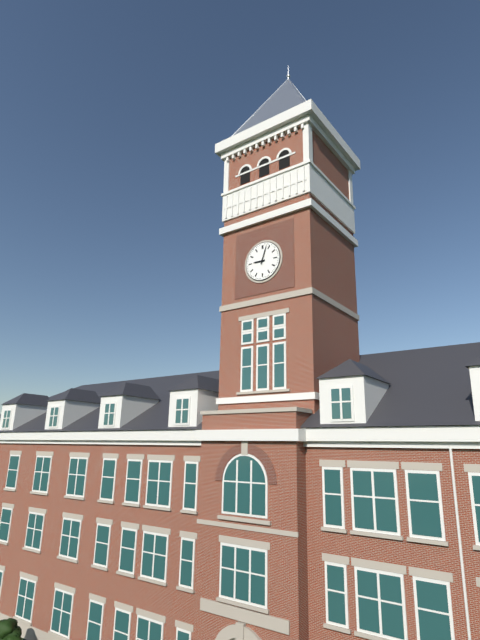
9 h 03 min
